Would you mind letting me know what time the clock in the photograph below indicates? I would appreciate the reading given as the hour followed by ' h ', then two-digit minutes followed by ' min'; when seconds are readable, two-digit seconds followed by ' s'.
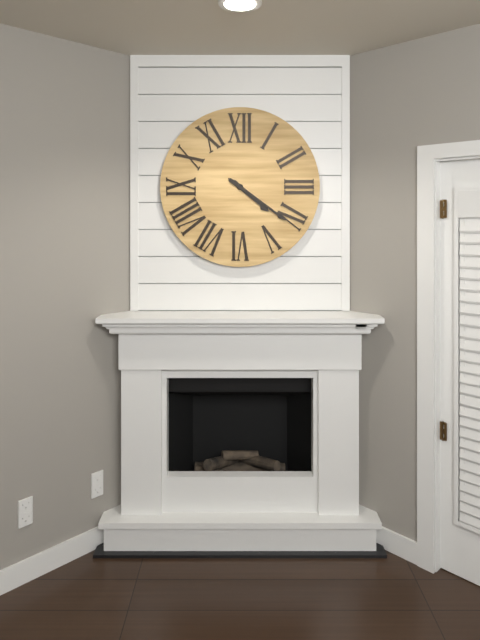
4 h 21 min
